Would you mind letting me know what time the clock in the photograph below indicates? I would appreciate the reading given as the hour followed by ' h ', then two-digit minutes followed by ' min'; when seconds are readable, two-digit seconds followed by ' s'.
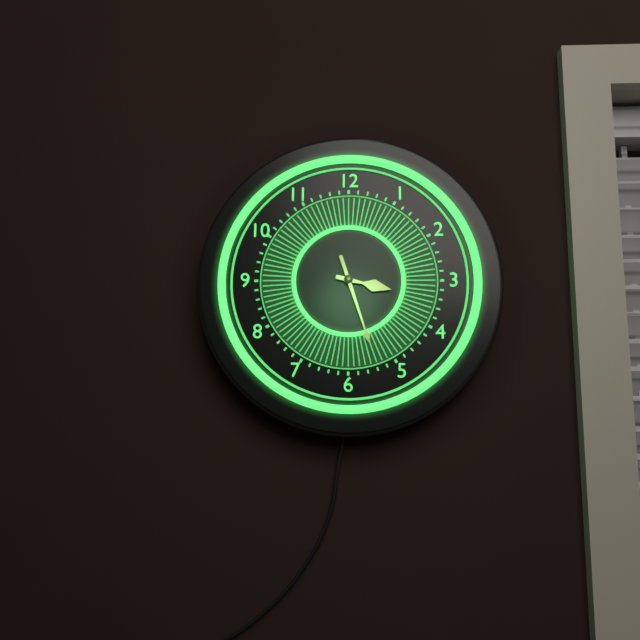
3 h 27 min
